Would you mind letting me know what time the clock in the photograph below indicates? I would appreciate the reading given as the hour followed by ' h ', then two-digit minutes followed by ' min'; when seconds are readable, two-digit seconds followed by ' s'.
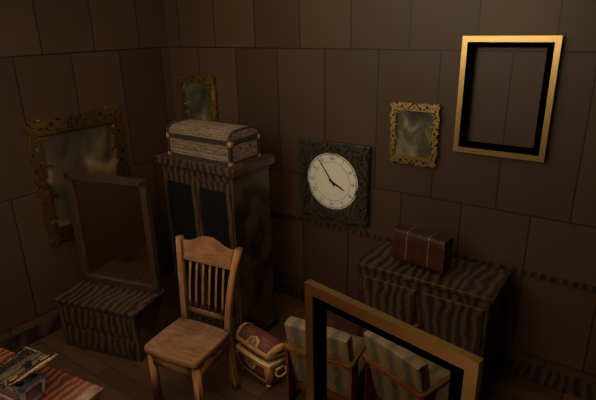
3 h 54 min
